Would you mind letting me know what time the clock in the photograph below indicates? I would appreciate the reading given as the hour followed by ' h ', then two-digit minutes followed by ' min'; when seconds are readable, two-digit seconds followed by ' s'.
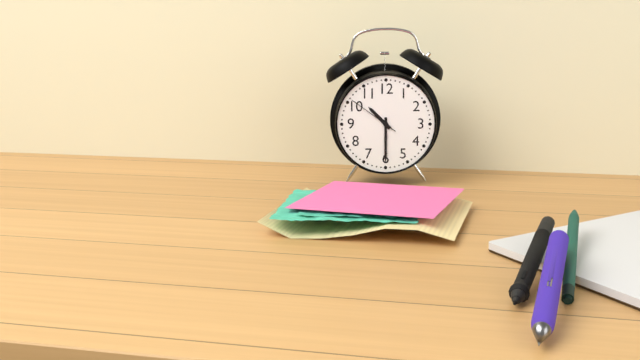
10 h 30 min 51 s
